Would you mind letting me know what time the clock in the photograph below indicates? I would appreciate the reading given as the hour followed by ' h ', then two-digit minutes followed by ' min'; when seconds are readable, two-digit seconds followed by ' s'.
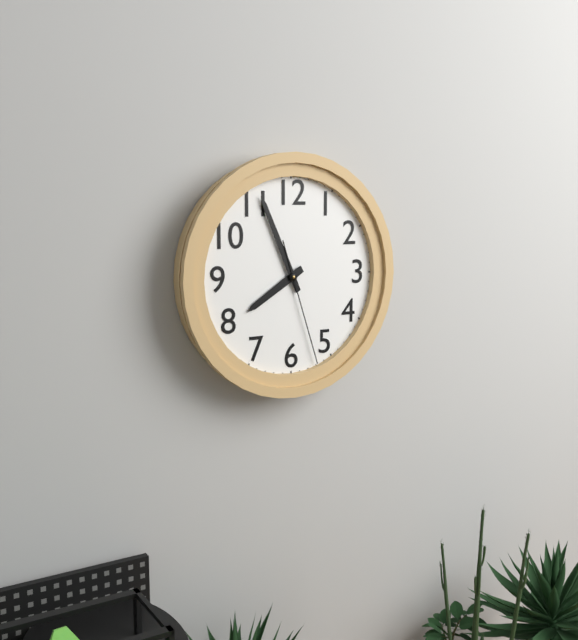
7 h 56 min 27 s
